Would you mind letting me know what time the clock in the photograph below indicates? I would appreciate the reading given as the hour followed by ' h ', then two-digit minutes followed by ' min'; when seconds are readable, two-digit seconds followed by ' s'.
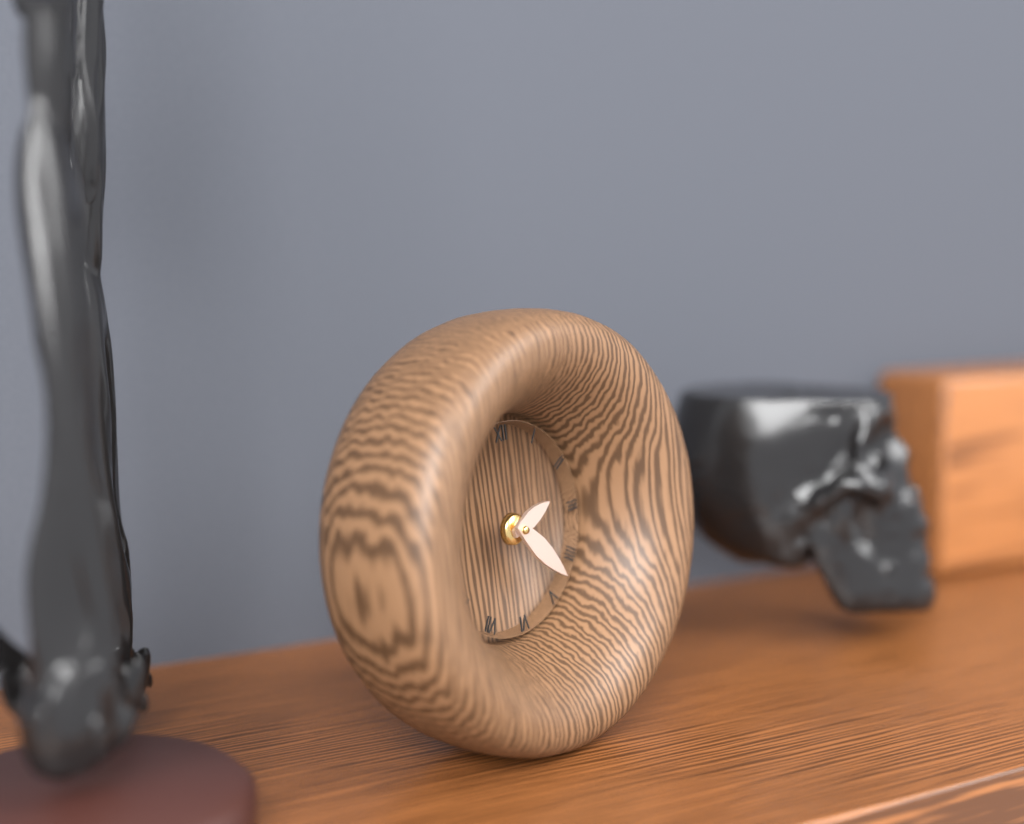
2 h 23 min
